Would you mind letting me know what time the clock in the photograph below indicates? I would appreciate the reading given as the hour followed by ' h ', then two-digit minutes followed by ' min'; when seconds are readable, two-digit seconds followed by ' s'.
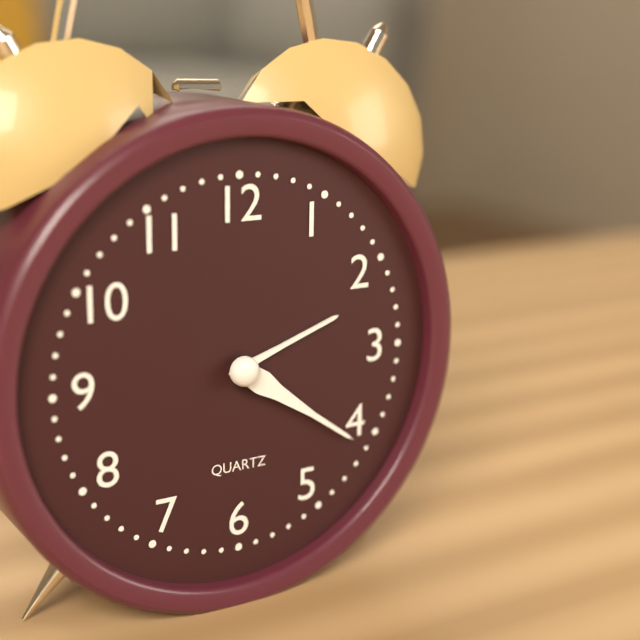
2 h 21 min
